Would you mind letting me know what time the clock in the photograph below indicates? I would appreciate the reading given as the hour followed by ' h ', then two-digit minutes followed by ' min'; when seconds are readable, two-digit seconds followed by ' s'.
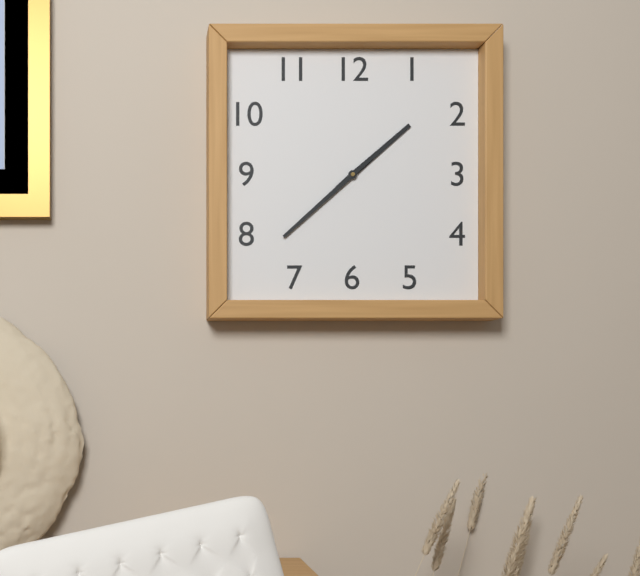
1 h 38 min
